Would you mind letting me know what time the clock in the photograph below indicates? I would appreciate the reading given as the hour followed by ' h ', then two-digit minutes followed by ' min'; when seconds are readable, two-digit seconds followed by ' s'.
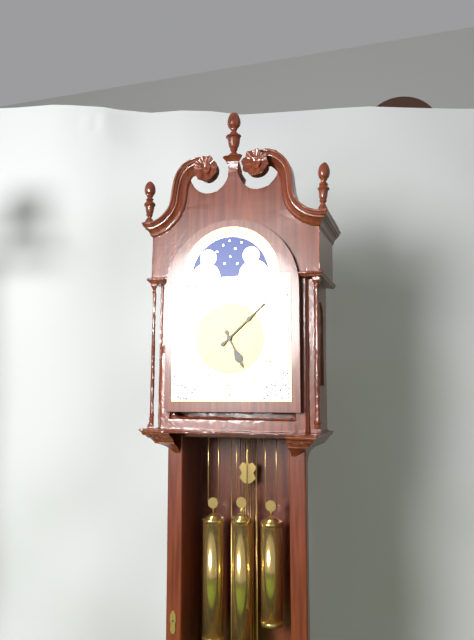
5 h 08 min
